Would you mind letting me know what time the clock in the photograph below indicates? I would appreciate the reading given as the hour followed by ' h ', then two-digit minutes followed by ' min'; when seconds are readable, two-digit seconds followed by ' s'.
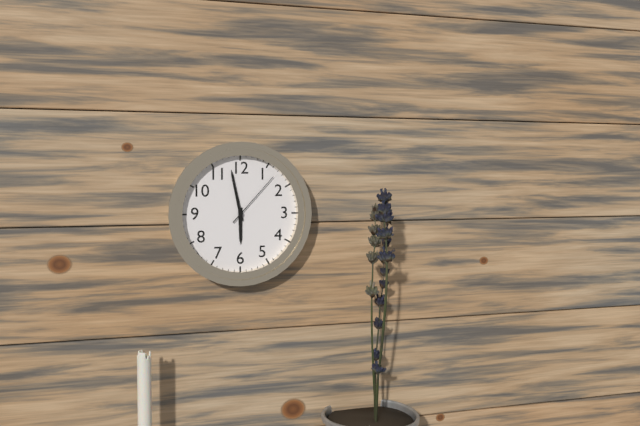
5 h 58 min 07 s
